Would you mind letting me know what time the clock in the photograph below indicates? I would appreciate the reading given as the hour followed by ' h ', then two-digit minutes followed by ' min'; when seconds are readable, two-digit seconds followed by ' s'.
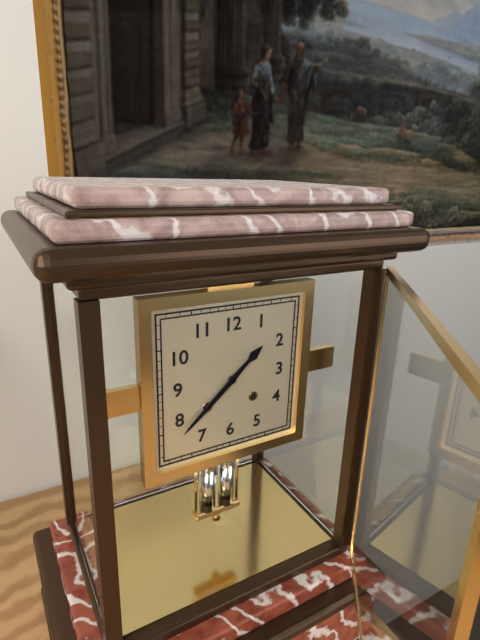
1 h 38 min
